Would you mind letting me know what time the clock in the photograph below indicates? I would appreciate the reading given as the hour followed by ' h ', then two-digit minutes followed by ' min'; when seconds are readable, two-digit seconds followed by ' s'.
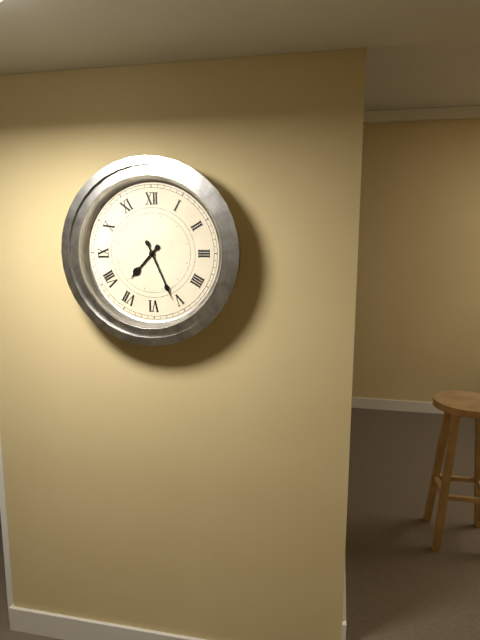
7 h 26 min
